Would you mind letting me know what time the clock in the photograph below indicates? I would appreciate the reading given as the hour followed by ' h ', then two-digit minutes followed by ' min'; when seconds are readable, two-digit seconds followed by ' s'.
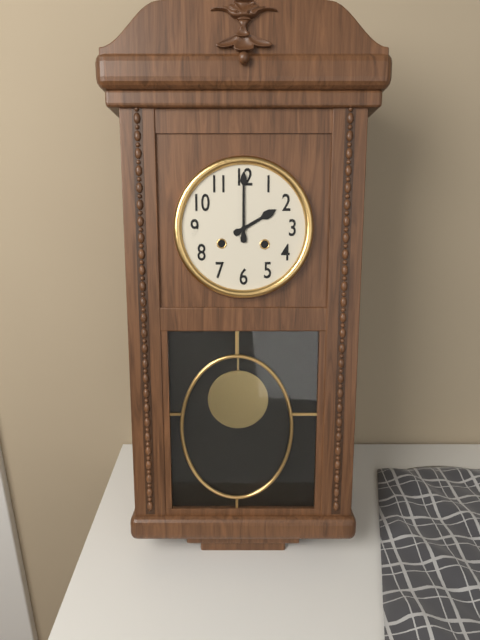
2 h 00 min
